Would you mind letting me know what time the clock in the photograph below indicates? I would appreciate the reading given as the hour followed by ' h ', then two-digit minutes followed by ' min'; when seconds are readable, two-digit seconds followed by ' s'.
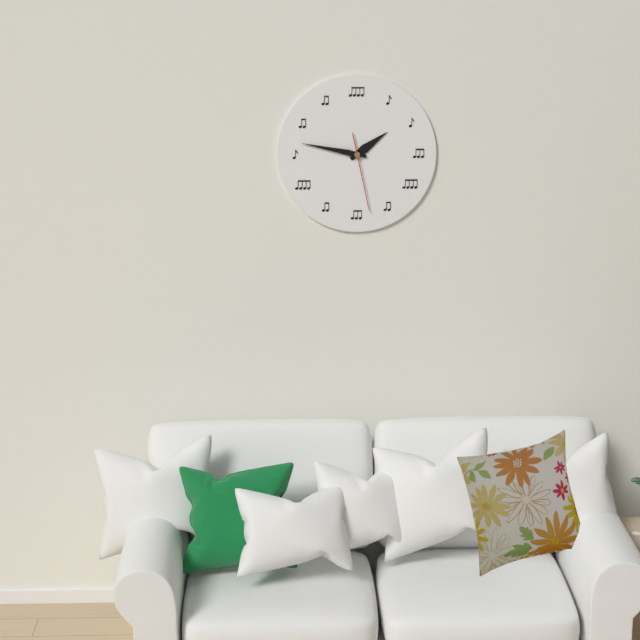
1 h 47 min 28 s
